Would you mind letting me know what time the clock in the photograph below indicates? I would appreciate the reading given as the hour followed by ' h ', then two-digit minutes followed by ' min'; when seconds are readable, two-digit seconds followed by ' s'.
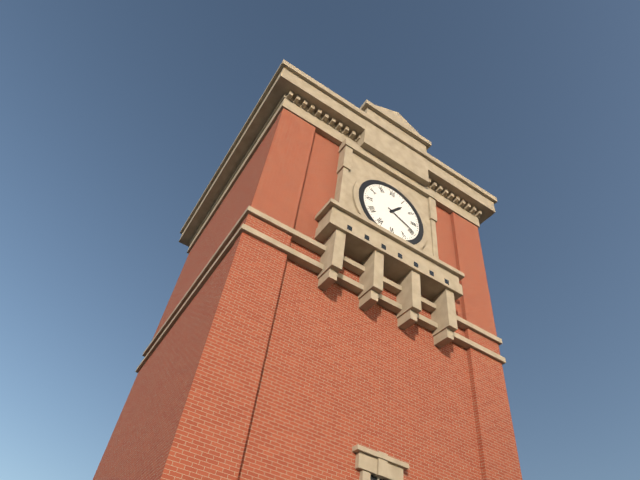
1 h 19 min
